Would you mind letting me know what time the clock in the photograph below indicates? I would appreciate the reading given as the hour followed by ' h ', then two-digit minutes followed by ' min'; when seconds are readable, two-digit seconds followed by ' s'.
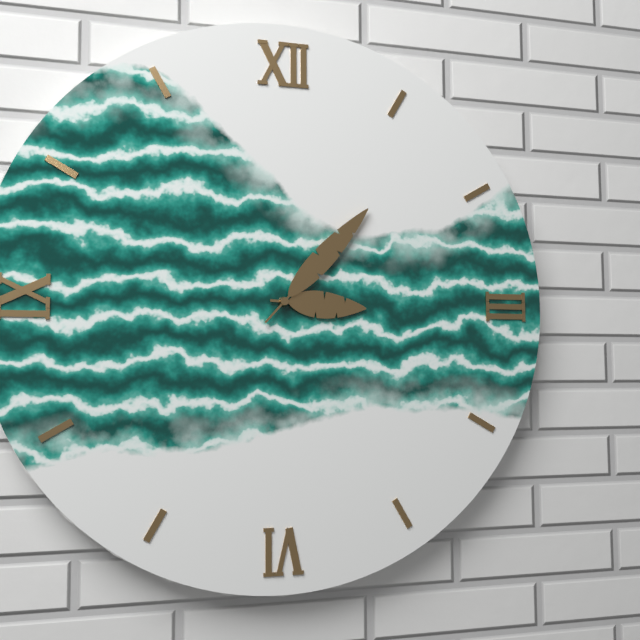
3 h 07 min
